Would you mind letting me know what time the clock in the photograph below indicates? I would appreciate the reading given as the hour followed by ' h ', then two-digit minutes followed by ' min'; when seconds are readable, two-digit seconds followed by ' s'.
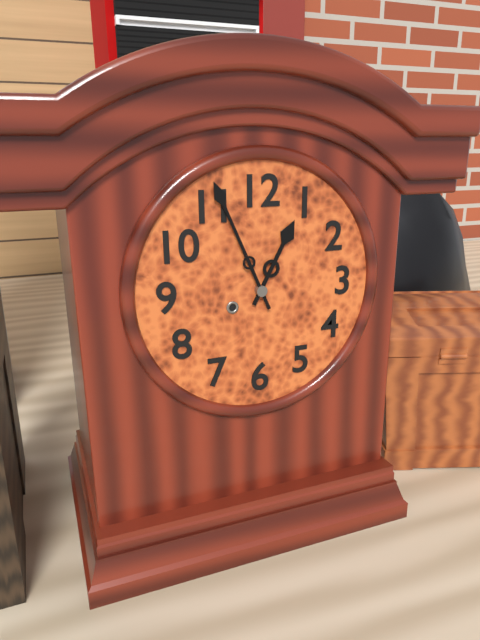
12 h 56 min
